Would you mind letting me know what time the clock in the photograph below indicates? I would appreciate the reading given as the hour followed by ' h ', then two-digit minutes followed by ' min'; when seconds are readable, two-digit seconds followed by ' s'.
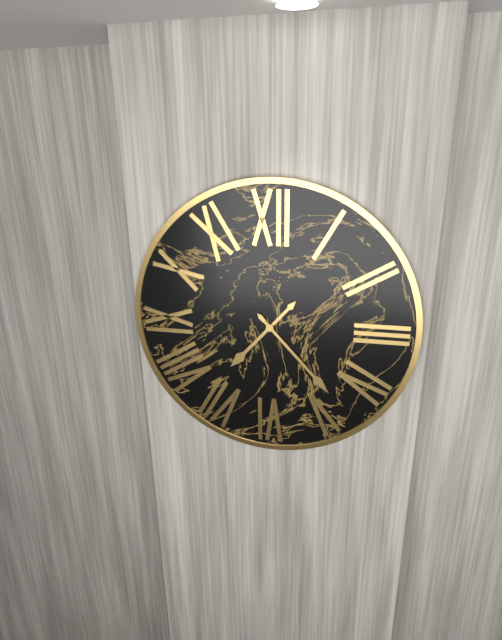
7 h 23 min
